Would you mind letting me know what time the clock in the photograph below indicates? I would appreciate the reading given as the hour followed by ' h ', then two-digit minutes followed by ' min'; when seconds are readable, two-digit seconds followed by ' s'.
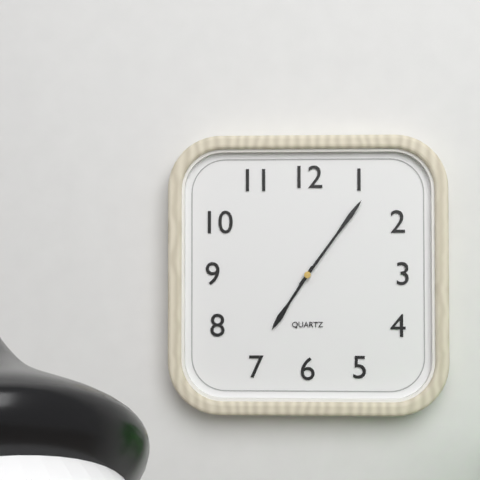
7 h 06 min
